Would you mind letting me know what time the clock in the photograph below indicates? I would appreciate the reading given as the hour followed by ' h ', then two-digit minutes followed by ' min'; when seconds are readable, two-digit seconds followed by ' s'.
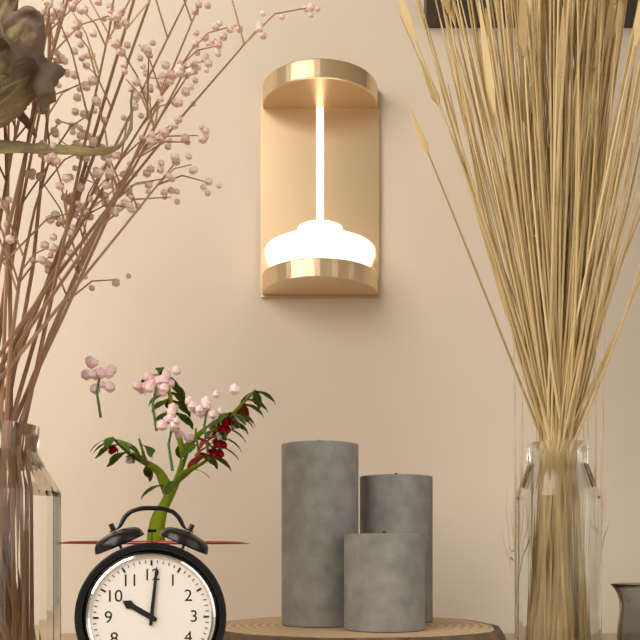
10 h 01 min
